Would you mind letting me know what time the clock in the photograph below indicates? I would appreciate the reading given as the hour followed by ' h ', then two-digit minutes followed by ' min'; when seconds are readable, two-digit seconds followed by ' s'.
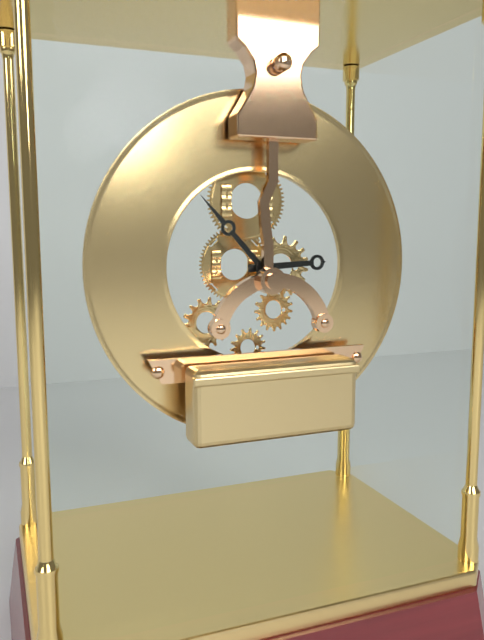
2 h 53 min
